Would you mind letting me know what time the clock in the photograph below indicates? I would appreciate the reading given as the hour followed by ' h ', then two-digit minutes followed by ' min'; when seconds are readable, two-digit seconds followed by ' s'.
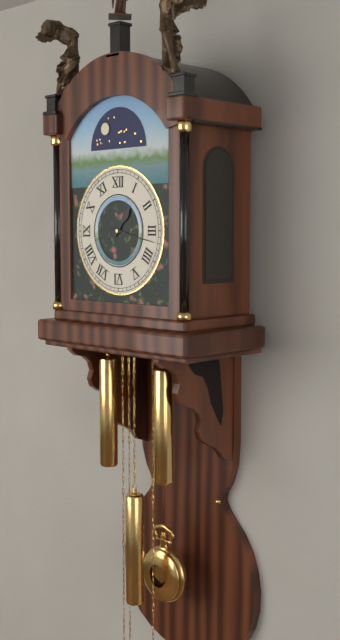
1 h 17 min
